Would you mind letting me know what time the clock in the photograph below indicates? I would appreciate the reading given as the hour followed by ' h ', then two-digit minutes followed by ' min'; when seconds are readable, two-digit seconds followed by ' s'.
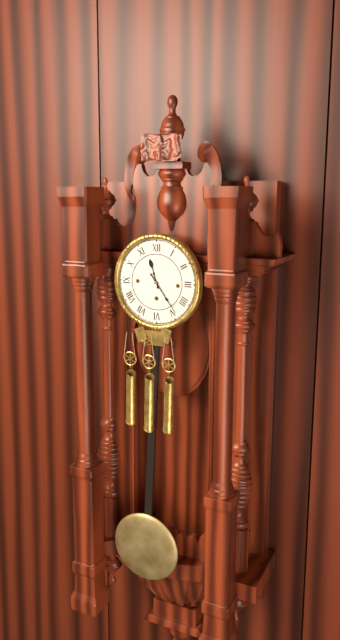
11 h 24 min
